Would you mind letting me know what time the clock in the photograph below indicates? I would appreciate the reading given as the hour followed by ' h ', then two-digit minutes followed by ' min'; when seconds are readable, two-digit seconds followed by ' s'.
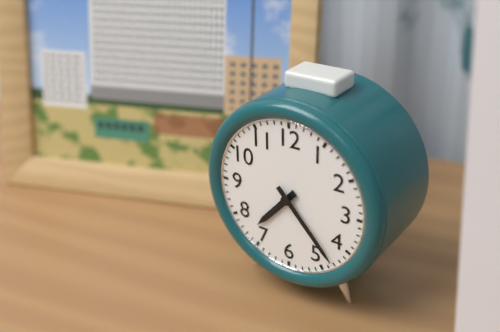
7 h 23 min
